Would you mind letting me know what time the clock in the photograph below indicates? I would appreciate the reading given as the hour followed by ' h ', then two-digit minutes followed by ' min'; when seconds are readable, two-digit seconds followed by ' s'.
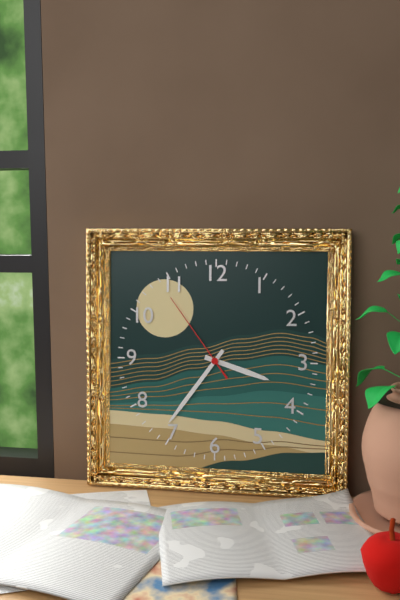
3 h 36 min 54 s
